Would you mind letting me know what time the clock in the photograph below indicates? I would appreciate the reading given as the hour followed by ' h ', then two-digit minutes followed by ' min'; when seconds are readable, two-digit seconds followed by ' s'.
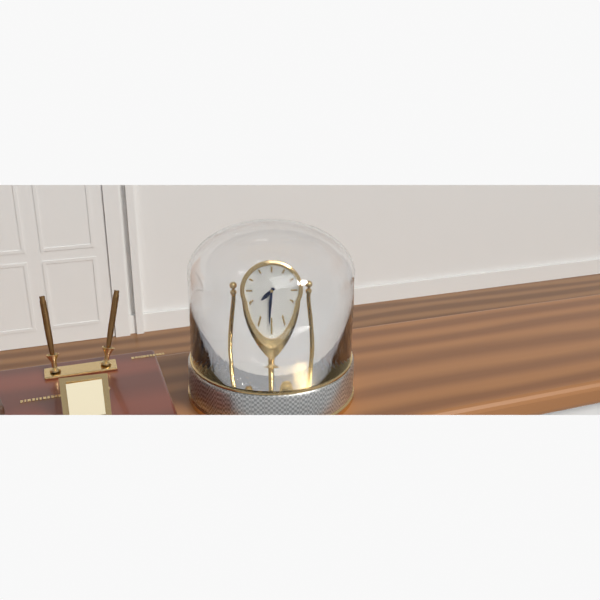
7 h 31 min
